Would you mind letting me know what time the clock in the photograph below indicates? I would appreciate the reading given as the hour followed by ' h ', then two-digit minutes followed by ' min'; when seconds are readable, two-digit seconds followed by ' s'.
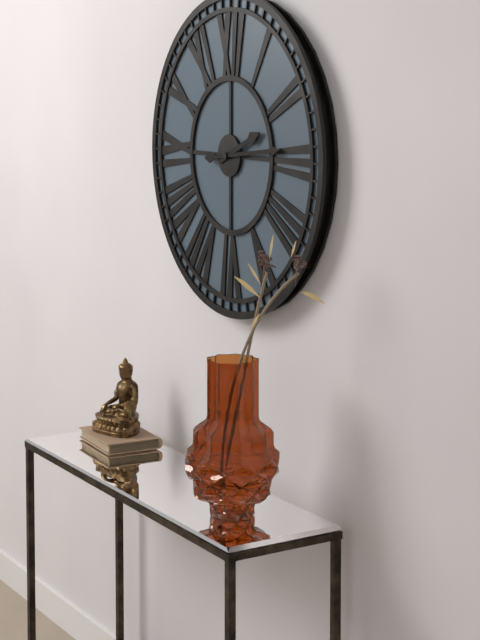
2 h 14 min
